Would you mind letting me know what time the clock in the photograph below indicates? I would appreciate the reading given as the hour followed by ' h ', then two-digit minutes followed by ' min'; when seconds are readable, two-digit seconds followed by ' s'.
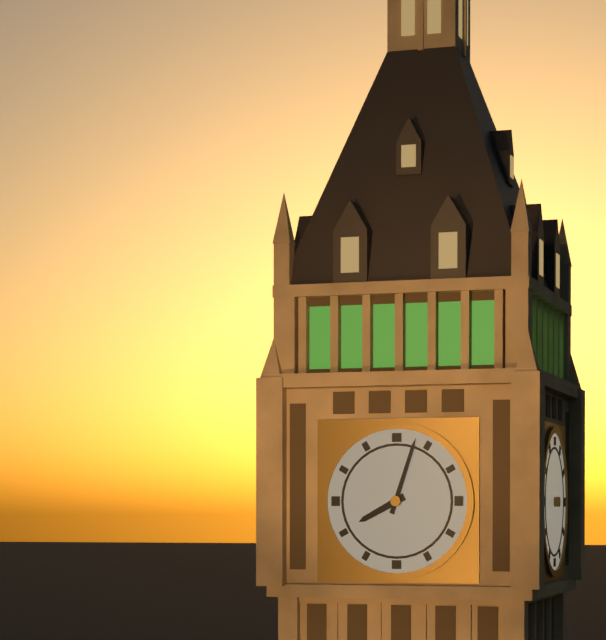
8 h 03 min
